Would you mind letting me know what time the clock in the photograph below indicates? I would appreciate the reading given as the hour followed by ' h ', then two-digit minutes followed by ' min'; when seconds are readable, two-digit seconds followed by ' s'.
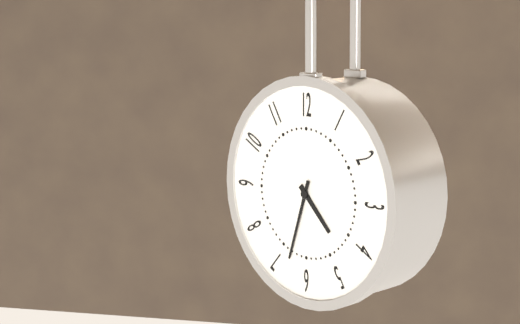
4 h 33 min
